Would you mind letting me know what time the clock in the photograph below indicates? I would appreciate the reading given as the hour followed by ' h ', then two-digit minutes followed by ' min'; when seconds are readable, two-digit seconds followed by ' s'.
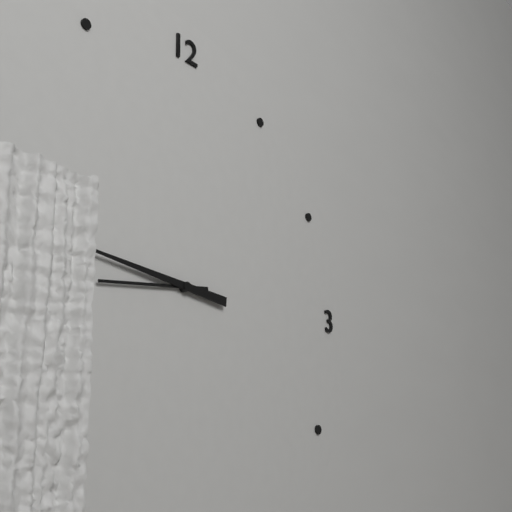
8 h 46 min
